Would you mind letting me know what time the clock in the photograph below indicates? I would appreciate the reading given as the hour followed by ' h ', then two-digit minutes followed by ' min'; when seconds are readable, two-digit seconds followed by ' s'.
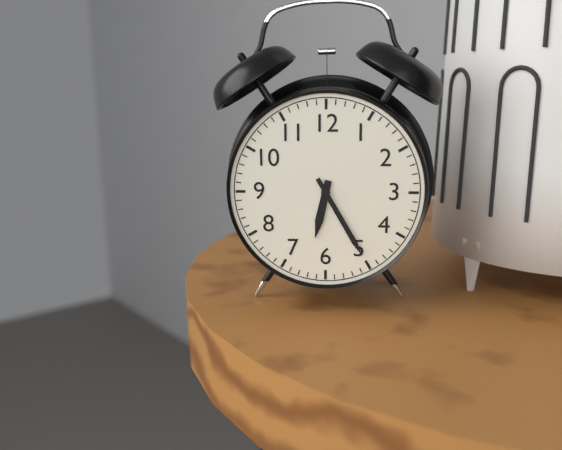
6 h 25 min
